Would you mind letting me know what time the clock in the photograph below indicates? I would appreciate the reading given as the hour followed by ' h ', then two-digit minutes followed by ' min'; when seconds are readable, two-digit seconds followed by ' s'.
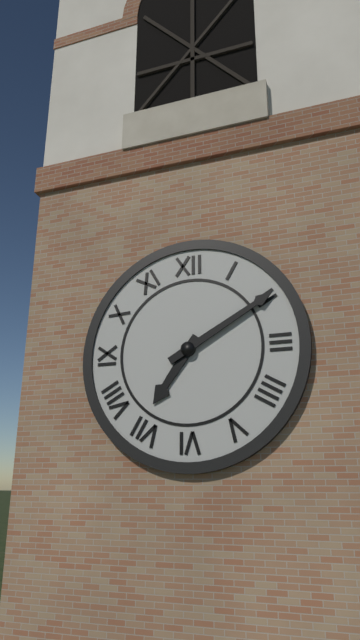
7 h 10 min
